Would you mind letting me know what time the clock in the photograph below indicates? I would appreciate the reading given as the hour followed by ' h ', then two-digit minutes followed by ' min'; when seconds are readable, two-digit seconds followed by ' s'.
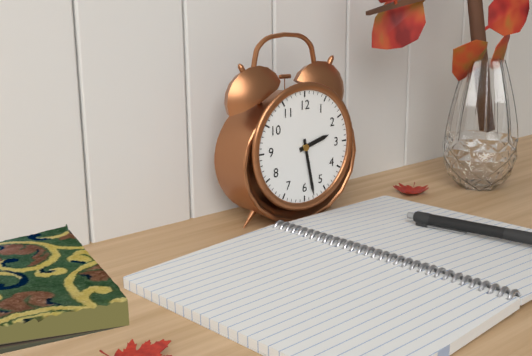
2 h 28 min
